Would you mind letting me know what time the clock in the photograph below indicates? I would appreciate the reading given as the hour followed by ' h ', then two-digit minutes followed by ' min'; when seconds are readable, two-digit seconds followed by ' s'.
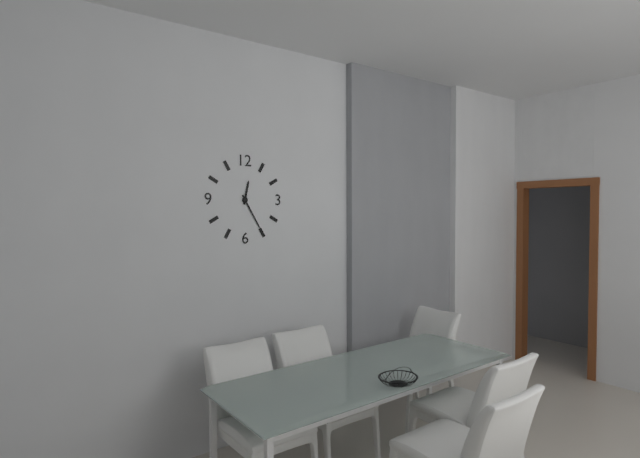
12 h 25 min
